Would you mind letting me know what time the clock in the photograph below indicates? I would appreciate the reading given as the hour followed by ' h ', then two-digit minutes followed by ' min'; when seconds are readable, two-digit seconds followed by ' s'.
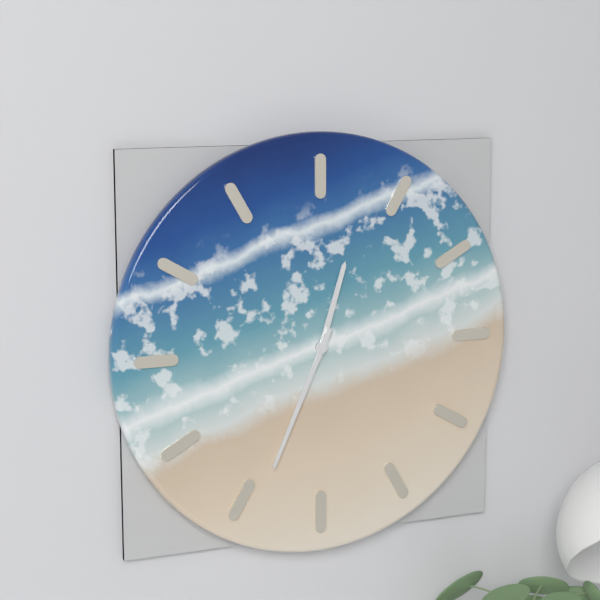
12 h 34 min
